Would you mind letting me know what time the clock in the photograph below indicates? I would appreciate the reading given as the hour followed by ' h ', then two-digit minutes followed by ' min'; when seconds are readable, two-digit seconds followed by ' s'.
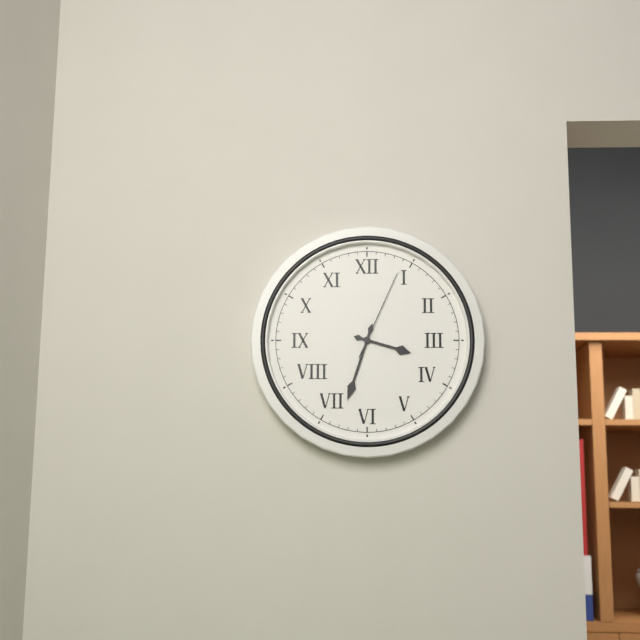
3 h 33 min 04 s
